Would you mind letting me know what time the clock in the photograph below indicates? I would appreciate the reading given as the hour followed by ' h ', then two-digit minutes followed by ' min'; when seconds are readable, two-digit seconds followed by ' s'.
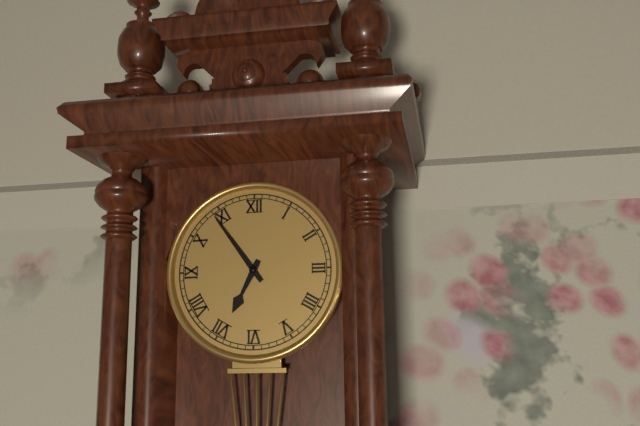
6 h 54 min
